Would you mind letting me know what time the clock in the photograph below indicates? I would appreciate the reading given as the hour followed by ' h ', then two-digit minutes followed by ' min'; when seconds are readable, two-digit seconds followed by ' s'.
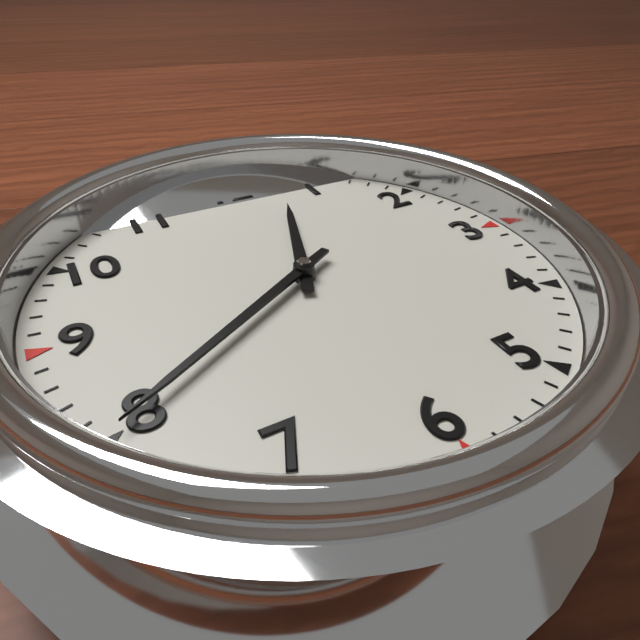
12 h 40 min
